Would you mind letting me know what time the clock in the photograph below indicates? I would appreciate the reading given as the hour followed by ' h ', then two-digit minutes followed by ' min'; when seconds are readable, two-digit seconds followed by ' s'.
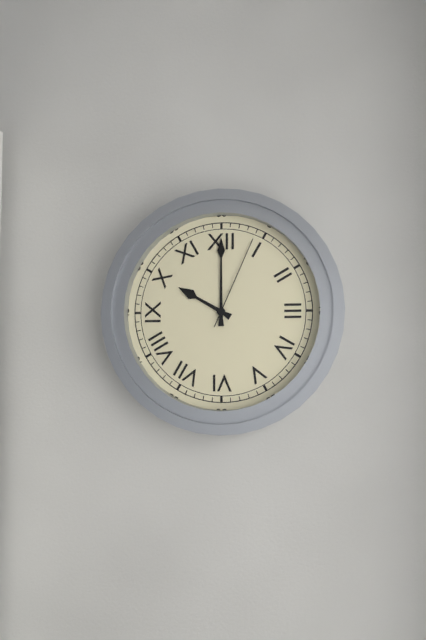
10 h 00 min 04 s
